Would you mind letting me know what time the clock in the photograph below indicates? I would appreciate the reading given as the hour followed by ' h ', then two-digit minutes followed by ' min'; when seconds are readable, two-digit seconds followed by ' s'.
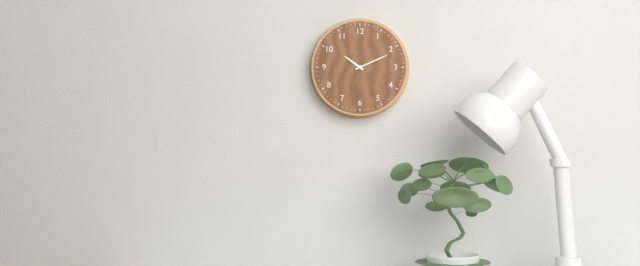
10 h 11 min
